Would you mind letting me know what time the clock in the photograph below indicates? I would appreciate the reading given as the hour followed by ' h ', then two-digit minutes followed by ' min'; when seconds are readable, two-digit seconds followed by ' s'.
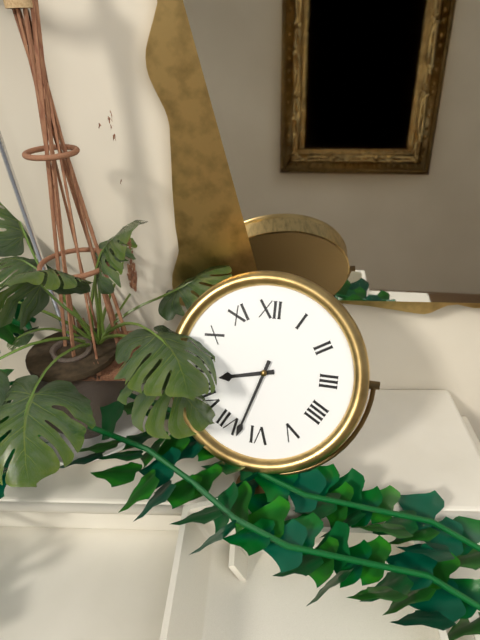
8 h 33 min
